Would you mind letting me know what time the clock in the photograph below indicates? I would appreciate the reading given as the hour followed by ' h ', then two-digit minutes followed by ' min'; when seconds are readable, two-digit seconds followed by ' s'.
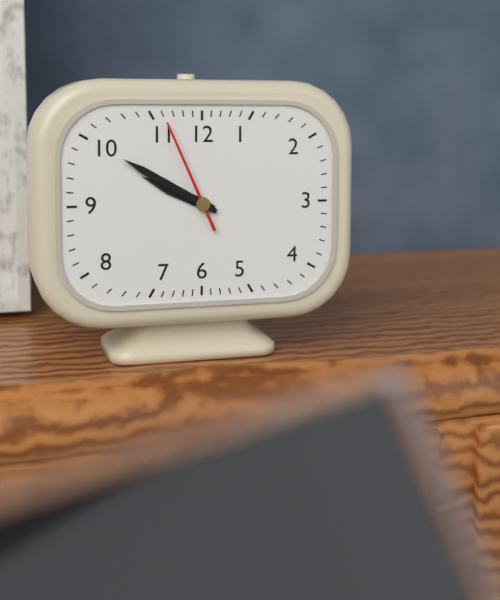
9 h 50 min 56 s
